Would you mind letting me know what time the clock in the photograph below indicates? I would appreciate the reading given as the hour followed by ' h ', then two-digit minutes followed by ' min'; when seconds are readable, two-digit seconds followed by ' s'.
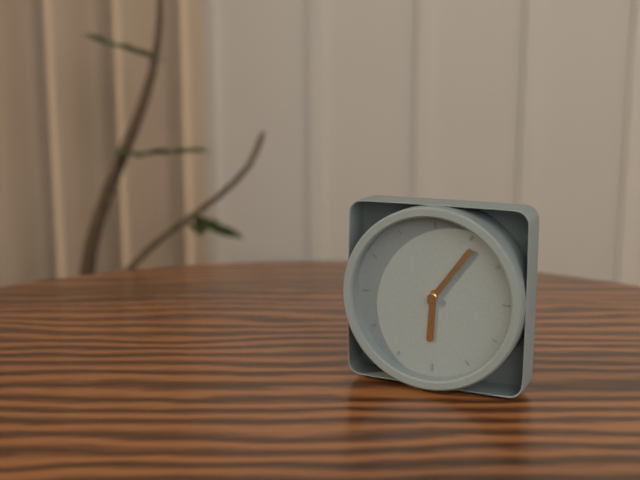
6 h 06 min
